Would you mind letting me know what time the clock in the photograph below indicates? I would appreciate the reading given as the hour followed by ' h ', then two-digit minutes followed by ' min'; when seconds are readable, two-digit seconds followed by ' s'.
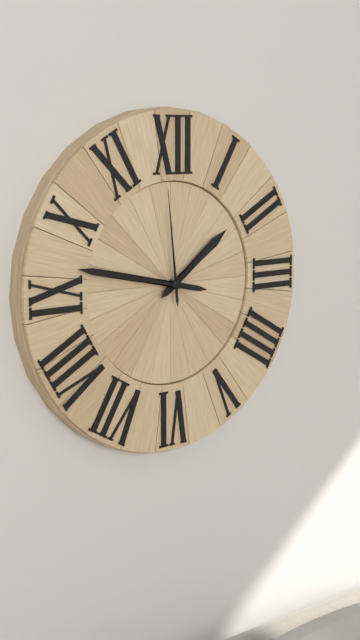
1 h 47 min 59 s
